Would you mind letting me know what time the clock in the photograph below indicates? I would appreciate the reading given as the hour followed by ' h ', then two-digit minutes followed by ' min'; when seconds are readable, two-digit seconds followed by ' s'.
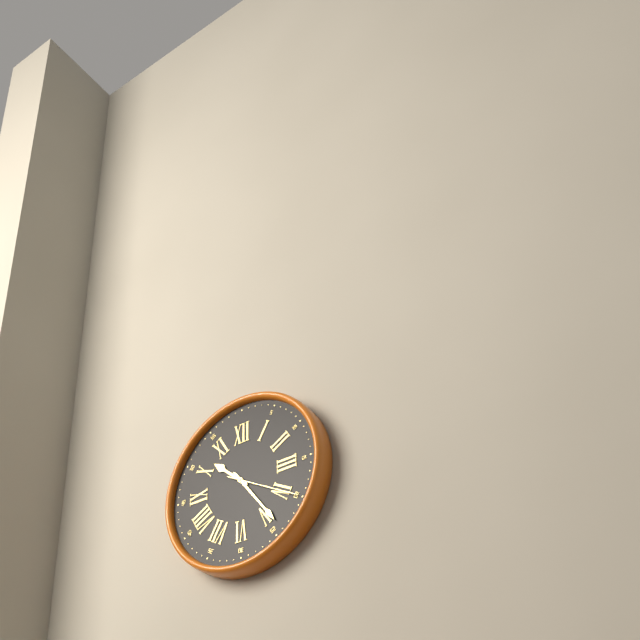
10 h 24 min 20 s
